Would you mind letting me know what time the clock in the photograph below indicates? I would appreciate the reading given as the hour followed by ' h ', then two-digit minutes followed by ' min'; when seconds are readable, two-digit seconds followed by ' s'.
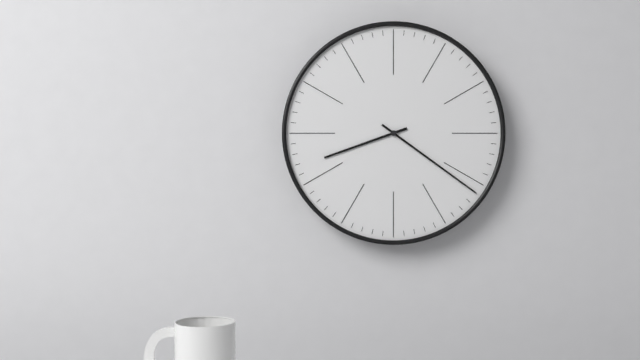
8 h 21 min
